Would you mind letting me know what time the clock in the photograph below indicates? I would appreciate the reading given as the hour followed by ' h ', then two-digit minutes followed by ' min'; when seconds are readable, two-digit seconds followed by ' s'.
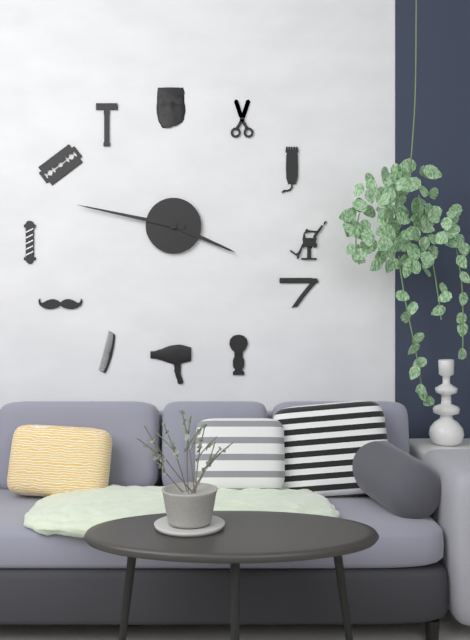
3 h 47 min
